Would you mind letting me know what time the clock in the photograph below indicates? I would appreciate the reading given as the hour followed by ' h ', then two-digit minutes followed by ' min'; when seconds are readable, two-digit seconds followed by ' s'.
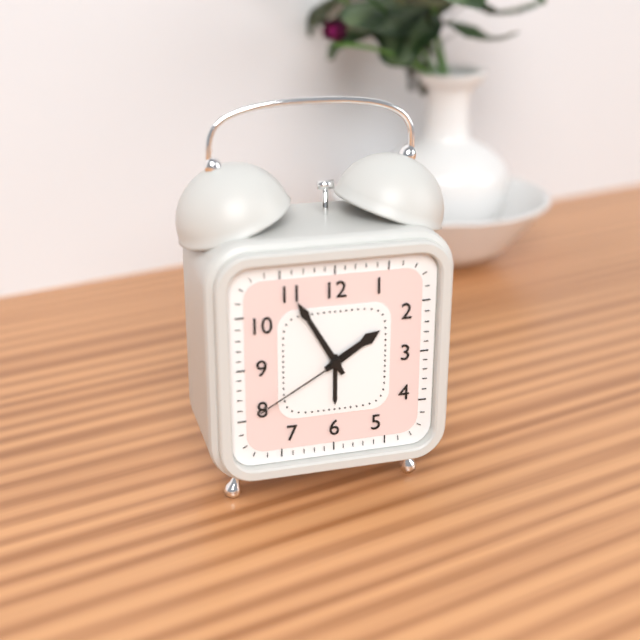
1 h 55 min 40 s
